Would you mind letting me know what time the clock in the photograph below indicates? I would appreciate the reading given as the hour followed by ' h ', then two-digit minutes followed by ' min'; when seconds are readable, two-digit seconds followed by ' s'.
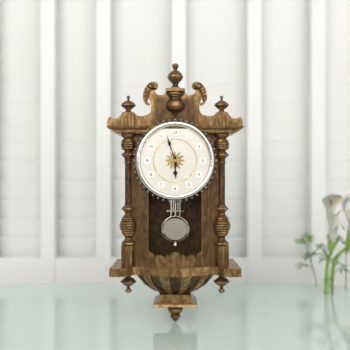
5 h 57 min
